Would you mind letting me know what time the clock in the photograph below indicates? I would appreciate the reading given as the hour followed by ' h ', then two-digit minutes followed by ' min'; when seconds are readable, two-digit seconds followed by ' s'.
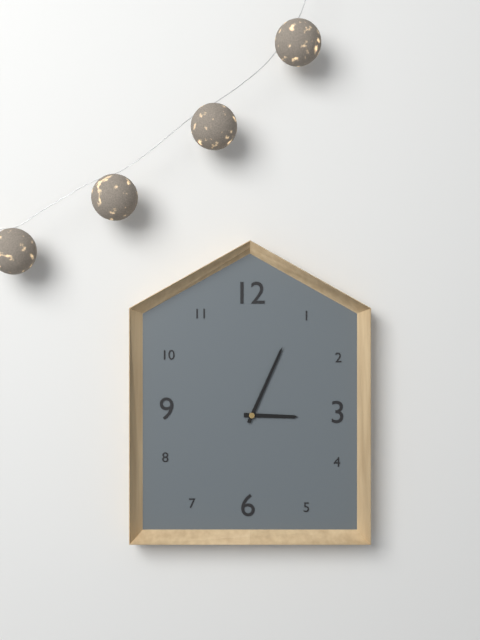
3 h 04 min
